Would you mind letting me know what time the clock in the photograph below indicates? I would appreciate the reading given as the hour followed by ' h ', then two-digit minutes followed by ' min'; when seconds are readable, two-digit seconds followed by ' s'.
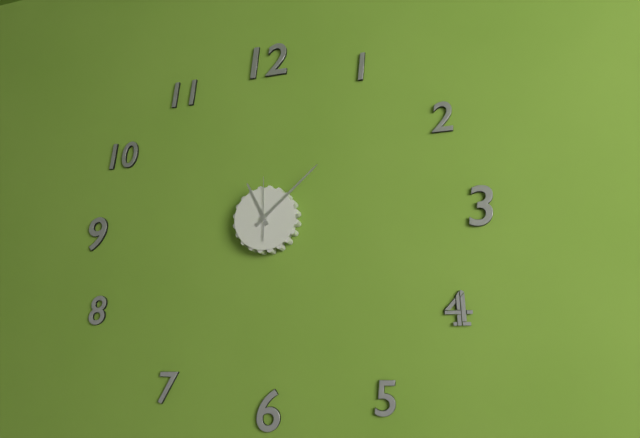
11 h 08 min 00 s
